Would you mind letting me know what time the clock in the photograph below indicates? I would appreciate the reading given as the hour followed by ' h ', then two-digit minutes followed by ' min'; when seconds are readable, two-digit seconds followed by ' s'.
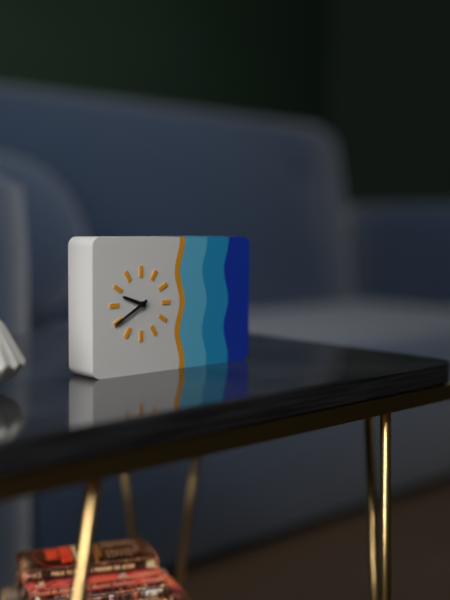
9 h 40 min
